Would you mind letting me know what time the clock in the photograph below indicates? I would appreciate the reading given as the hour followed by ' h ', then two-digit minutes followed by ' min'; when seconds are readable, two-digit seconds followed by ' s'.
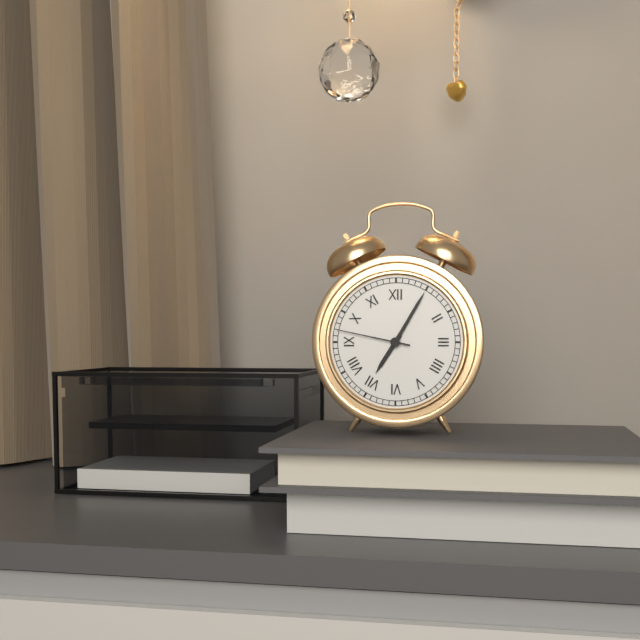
7 h 05 min 47 s
